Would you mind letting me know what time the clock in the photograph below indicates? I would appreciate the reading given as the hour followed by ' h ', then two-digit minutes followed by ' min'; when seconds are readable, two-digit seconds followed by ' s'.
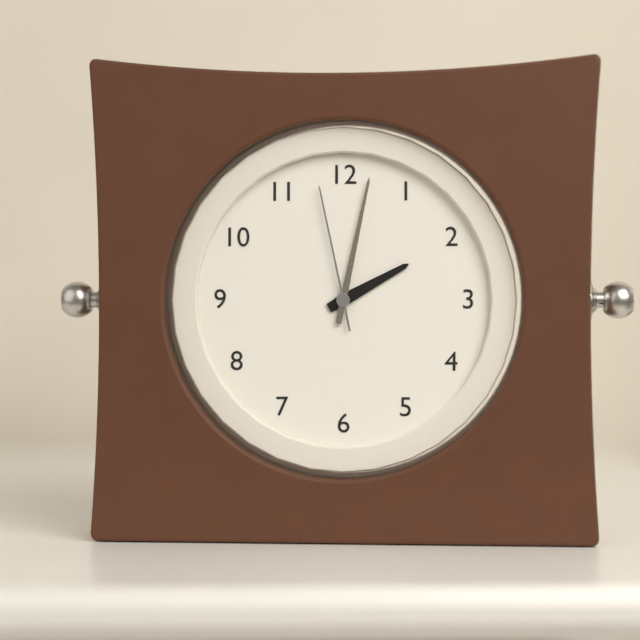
2 h 02 min 58 s
